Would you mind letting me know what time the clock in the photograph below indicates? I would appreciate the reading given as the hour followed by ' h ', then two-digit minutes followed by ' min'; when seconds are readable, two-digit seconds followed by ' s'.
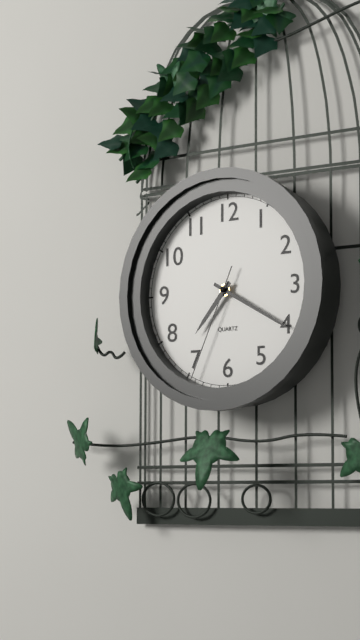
7 h 20 min 34 s
